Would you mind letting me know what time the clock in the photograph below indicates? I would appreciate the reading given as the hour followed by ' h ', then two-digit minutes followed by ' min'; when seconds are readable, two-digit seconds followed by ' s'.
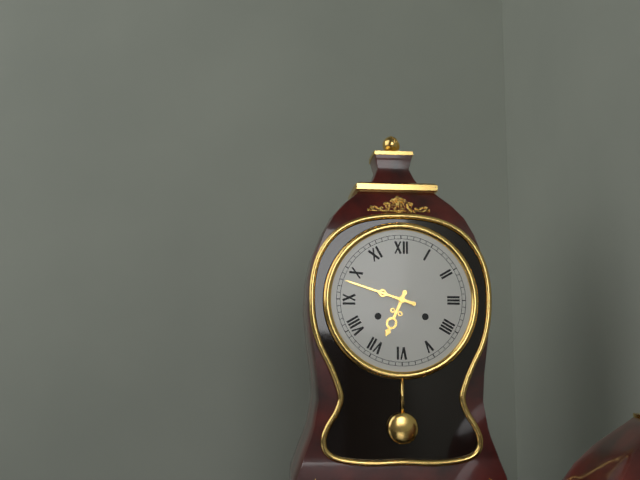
6 h 48 min
